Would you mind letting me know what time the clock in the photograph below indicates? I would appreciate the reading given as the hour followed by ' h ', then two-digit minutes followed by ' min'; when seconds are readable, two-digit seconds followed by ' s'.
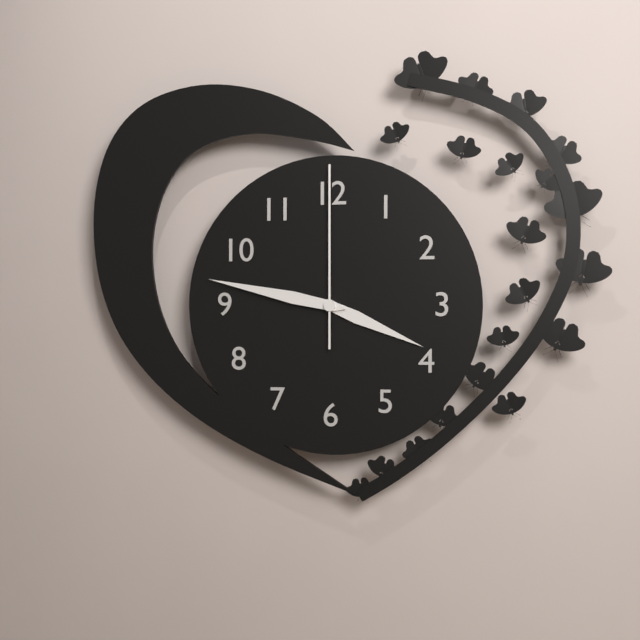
3 h 47 min 00 s
